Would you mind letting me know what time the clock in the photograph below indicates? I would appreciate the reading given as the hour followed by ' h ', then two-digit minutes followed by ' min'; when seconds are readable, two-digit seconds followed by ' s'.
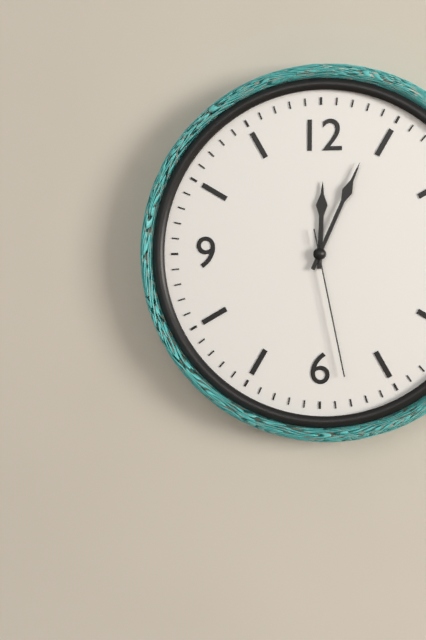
12 h 04 min 28 s
